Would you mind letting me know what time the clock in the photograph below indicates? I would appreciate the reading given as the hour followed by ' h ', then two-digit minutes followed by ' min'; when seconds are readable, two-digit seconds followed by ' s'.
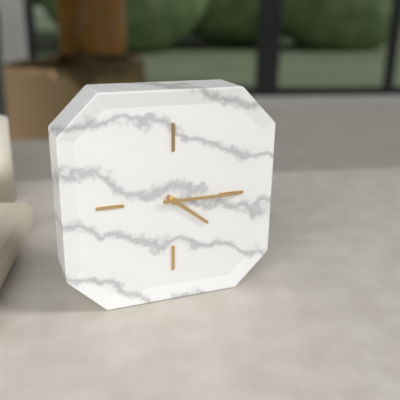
4 h 15 min
